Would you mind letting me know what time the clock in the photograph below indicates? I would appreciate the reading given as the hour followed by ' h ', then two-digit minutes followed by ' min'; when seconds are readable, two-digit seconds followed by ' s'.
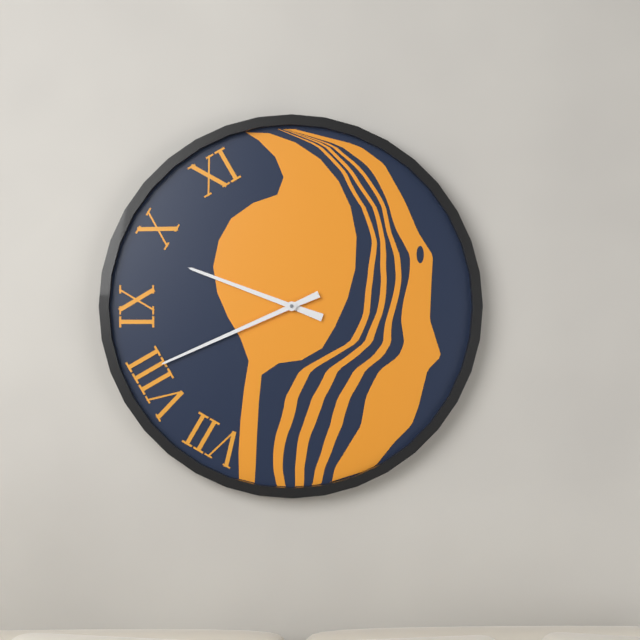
9 h 41 min
